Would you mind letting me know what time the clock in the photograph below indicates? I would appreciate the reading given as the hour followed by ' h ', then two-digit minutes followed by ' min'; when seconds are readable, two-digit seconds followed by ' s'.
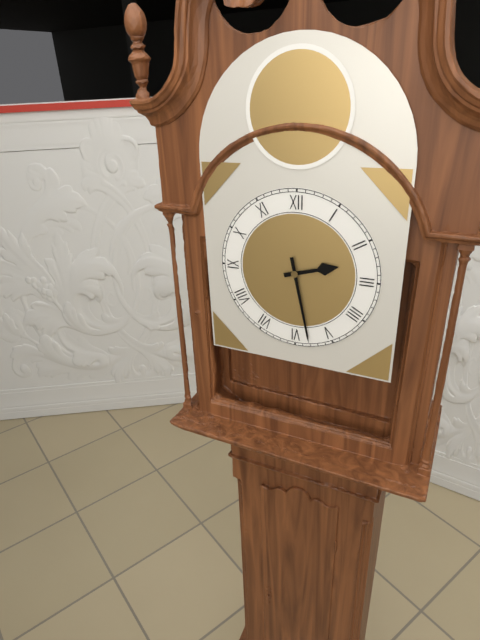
2 h 28 min
